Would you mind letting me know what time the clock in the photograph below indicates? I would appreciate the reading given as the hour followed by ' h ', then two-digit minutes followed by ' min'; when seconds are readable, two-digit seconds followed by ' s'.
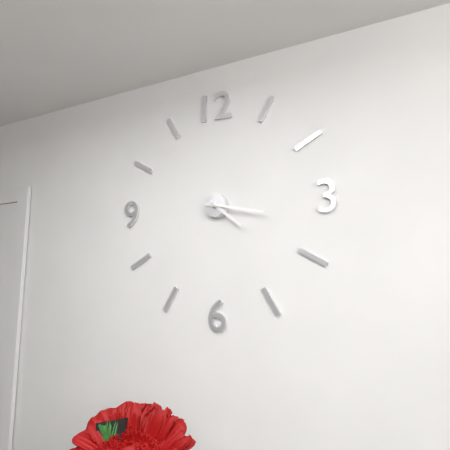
4 h 17 min
